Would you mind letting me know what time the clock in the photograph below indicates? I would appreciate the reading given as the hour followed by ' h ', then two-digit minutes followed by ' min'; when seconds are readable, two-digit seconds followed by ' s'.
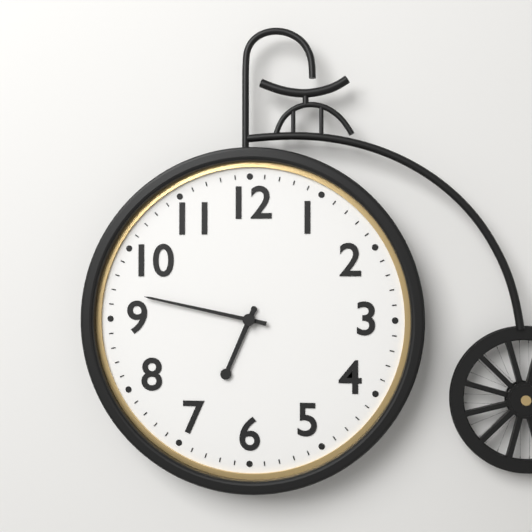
6 h 47 min
